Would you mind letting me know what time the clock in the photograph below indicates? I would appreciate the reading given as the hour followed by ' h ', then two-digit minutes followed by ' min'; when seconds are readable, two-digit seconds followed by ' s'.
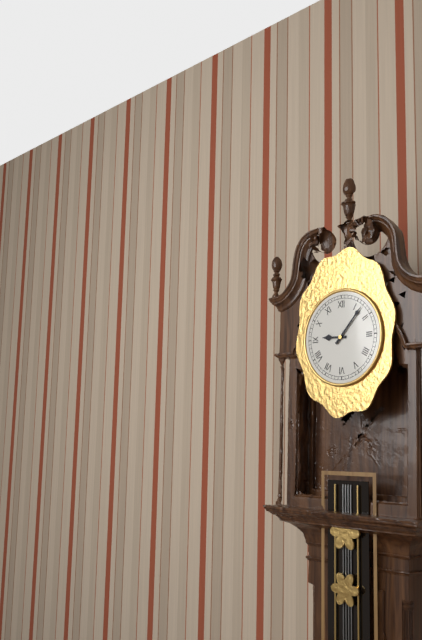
9 h 07 min
